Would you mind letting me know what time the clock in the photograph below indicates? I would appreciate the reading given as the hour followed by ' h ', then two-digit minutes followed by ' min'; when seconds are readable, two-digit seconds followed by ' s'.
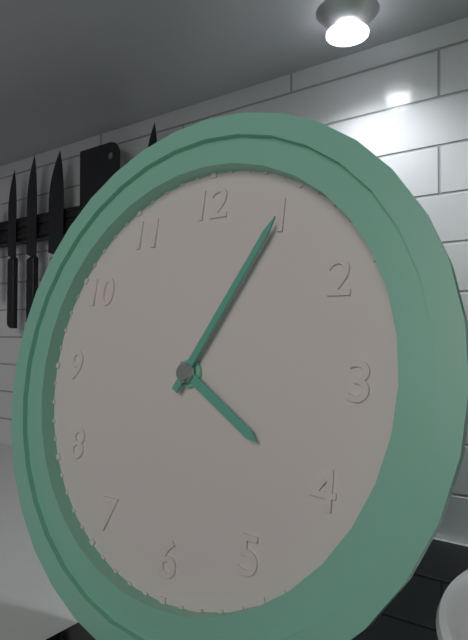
4 h 05 min
